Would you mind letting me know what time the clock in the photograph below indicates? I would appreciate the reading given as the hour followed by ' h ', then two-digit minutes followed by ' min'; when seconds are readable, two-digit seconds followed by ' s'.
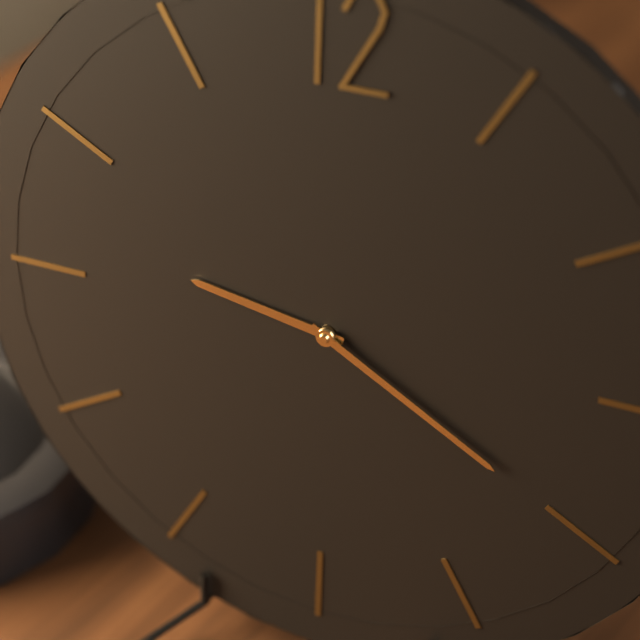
9 h 20 min
